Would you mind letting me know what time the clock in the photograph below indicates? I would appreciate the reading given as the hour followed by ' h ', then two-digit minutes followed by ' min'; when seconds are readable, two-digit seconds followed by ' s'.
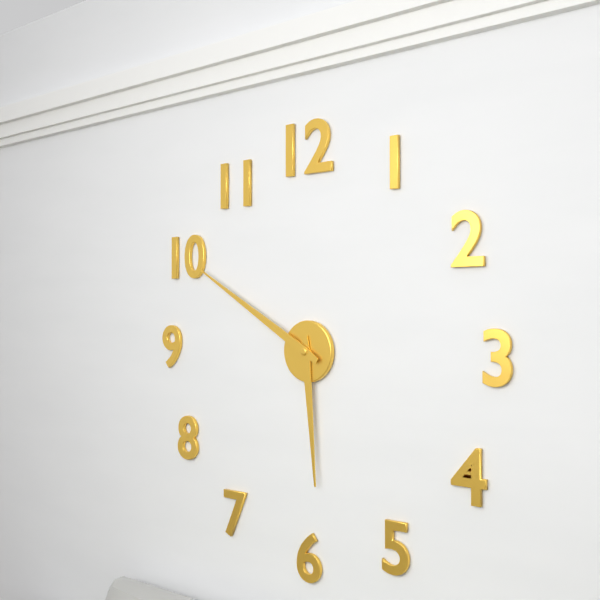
5 h 50 min
